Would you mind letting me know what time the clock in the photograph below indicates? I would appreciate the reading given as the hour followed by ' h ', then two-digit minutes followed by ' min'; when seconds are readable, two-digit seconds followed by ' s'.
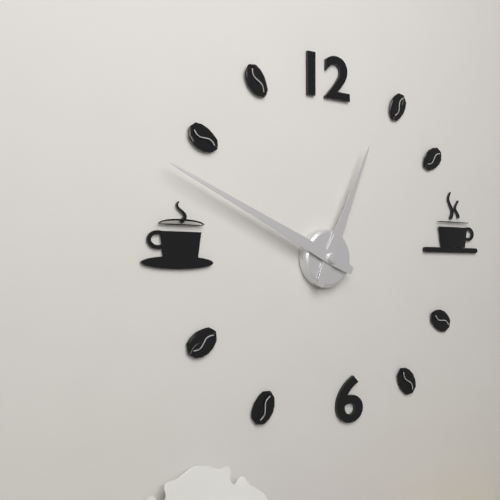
12 h 49 min
